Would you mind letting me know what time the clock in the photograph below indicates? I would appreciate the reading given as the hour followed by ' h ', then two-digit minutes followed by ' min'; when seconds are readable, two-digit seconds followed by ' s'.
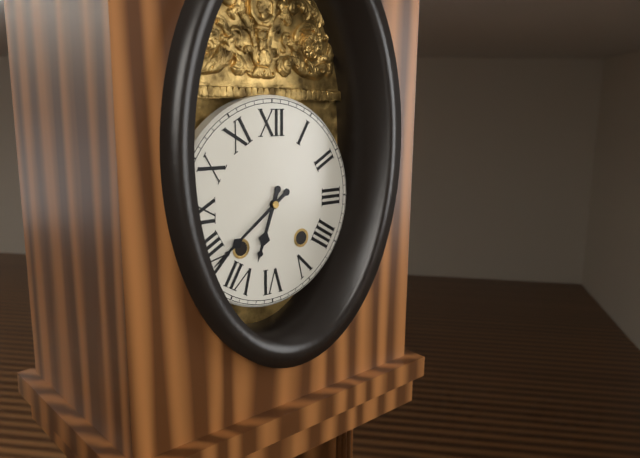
6 h 39 min
